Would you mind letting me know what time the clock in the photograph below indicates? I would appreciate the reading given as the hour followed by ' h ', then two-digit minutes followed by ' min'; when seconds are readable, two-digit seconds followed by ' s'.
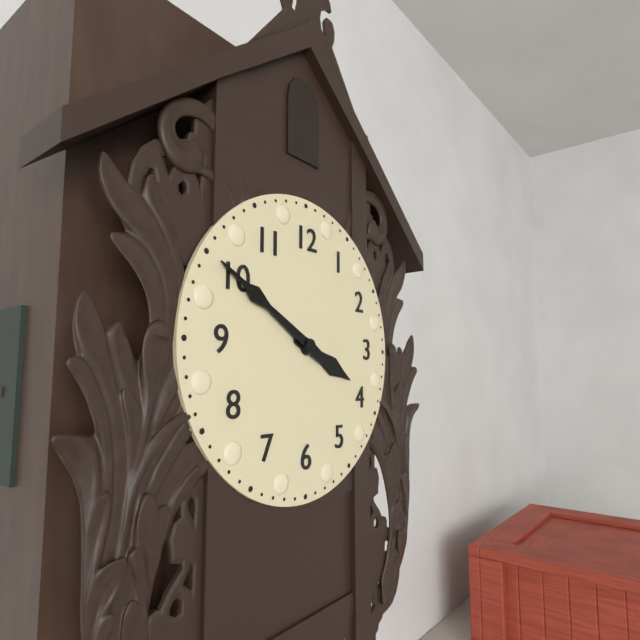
3 h 50 min
